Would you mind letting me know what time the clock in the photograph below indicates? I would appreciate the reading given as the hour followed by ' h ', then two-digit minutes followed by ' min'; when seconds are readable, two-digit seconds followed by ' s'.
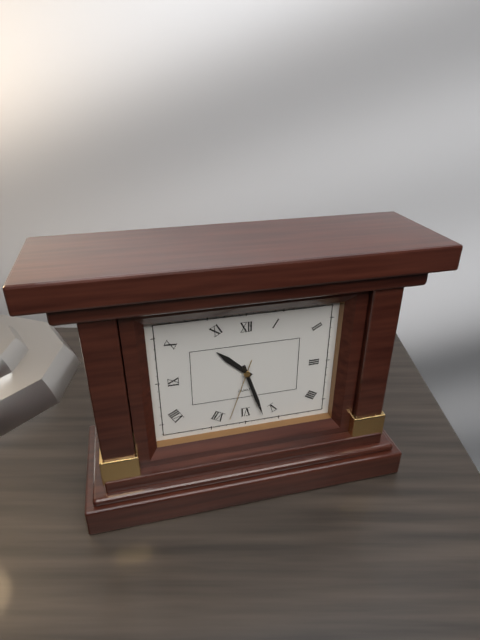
10 h 27 min 33 s
